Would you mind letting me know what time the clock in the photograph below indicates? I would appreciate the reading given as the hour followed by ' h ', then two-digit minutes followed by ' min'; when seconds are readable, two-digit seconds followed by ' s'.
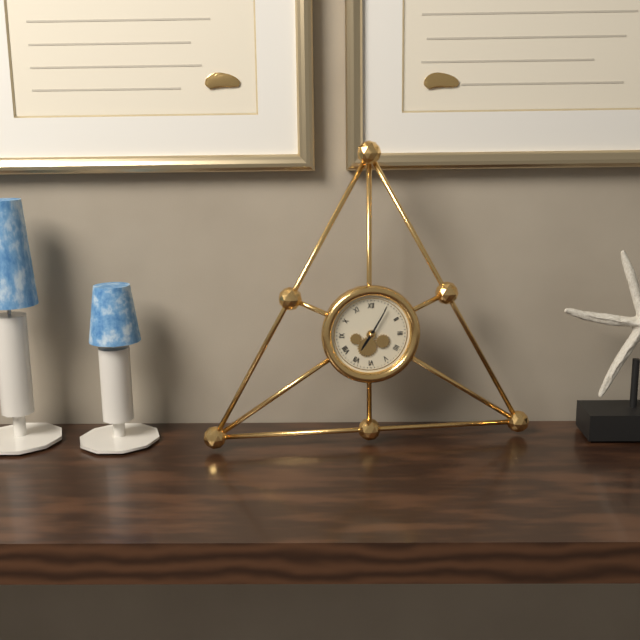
7 h 05 min
